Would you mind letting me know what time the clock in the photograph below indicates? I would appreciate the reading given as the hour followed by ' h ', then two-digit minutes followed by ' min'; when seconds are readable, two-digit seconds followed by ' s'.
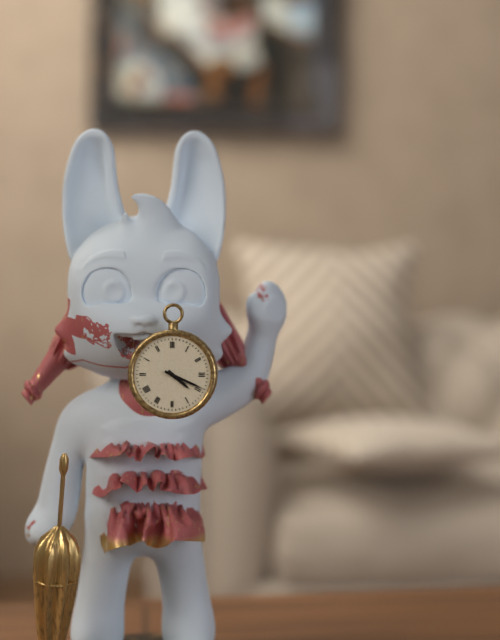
4 h 19 min
